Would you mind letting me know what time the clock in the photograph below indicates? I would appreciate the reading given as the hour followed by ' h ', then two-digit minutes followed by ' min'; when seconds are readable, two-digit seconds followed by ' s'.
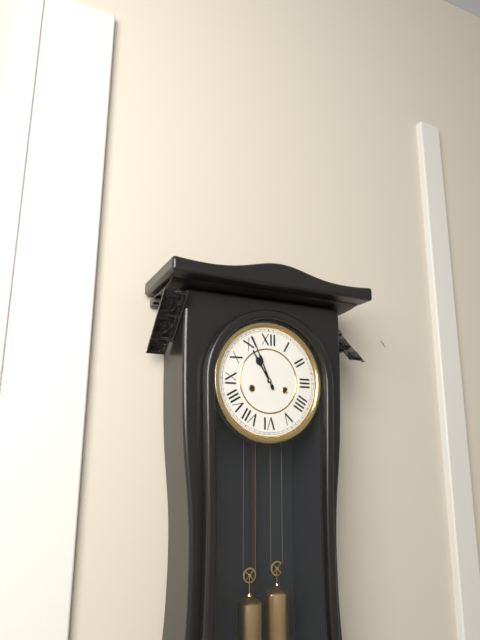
10 h 56 min
